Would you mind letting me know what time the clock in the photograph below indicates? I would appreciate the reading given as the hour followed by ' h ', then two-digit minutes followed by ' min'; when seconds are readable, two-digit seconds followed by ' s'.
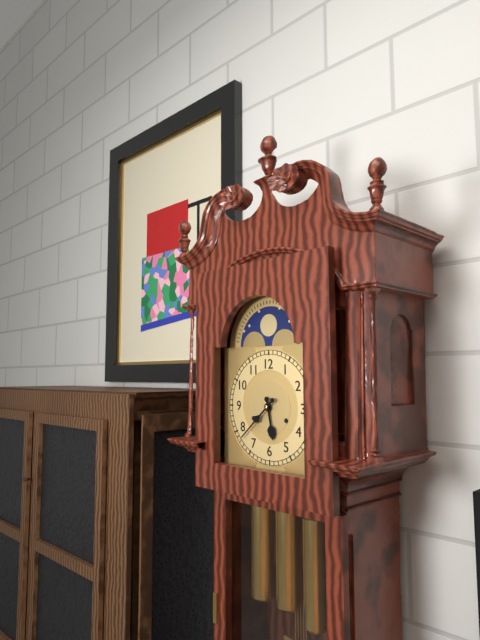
5 h 38 min
